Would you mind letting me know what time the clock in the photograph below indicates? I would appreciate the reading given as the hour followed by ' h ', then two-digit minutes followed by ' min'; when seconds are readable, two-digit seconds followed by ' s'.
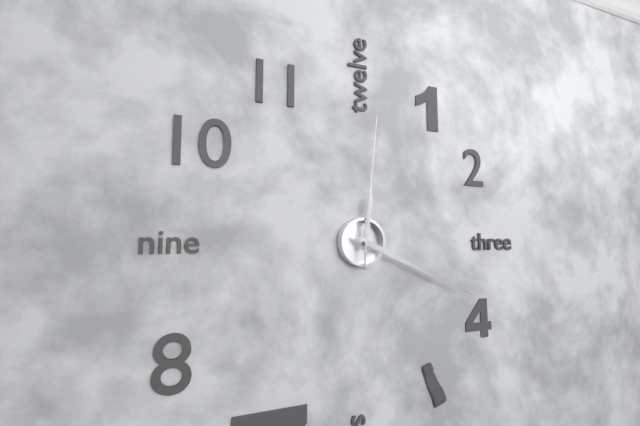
12 h 19 min 01 s
